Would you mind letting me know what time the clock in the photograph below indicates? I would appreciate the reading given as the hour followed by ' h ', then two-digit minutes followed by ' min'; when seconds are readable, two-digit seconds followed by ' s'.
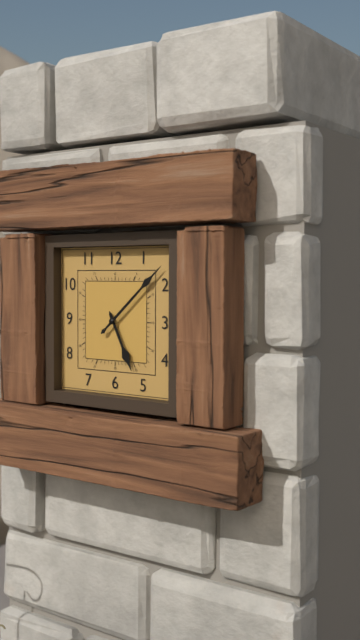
5 h 08 min
